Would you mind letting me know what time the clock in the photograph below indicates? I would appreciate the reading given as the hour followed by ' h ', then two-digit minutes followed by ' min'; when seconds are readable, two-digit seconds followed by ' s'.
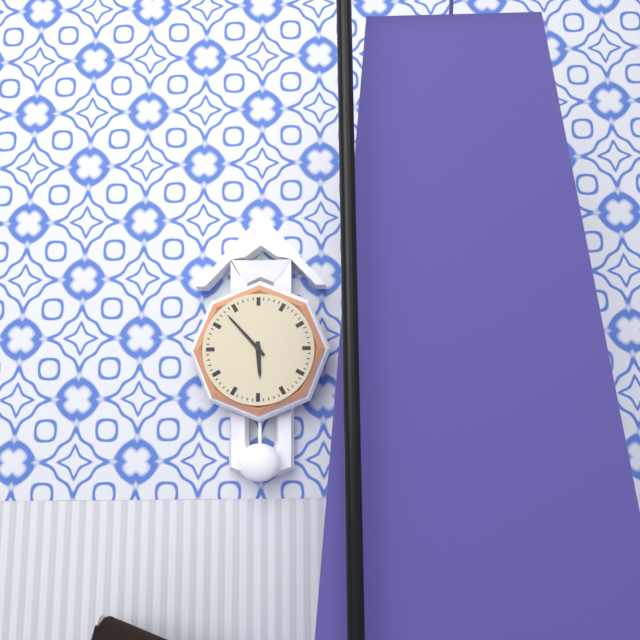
5 h 53 min
